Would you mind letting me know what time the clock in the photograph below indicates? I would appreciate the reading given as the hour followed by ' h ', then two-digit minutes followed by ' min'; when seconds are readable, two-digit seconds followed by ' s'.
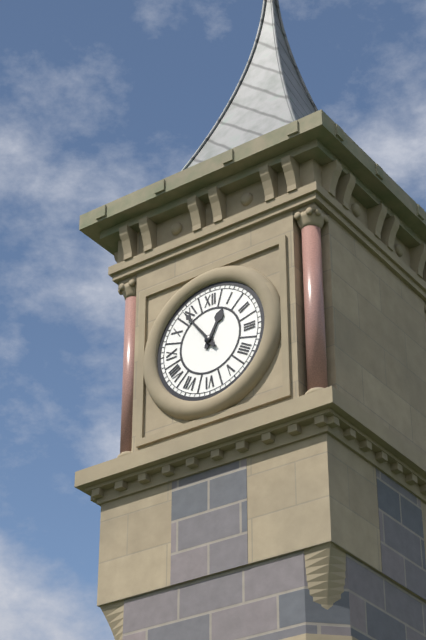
12 h 54 min
